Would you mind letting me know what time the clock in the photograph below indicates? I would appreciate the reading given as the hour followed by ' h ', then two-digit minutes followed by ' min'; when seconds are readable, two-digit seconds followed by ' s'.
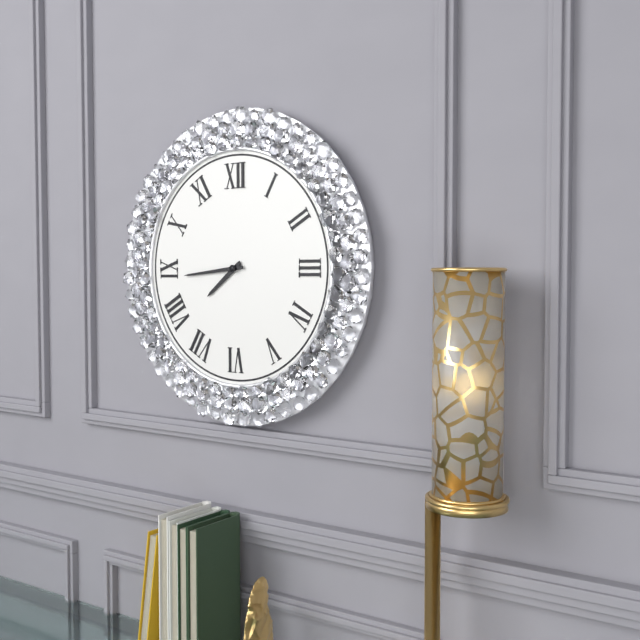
7 h 44 min
